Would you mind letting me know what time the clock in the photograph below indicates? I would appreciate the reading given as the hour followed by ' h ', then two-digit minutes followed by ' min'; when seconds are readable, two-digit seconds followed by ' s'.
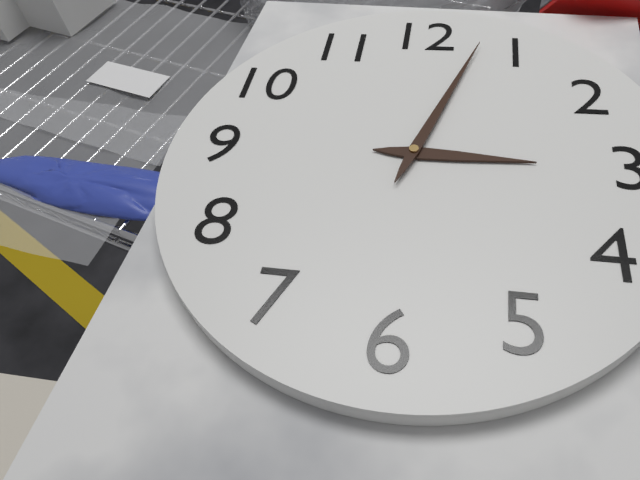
3 h 03 min
